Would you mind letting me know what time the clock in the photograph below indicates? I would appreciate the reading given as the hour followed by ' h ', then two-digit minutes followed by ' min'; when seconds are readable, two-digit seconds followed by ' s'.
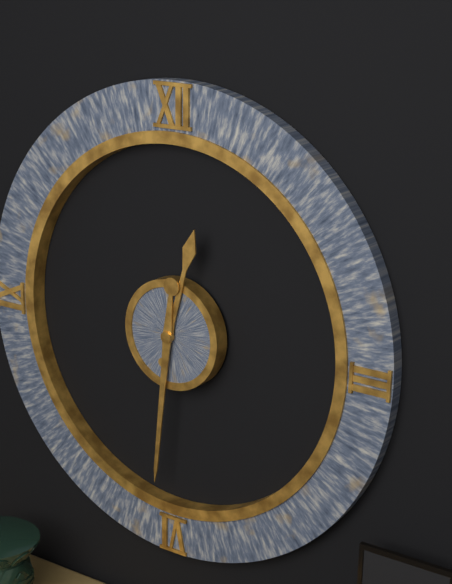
12 h 31 min
